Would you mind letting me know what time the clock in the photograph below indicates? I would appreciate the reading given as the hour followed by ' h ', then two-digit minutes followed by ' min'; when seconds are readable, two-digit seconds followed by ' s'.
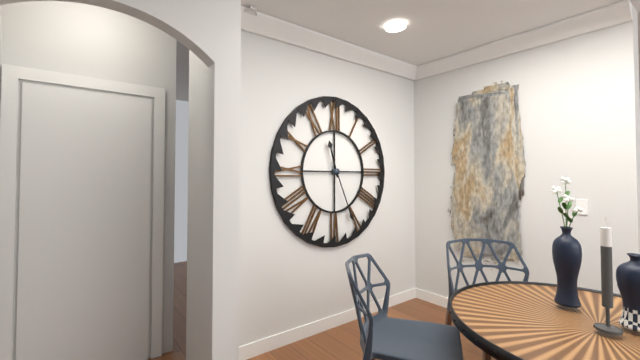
11 h 26 min
